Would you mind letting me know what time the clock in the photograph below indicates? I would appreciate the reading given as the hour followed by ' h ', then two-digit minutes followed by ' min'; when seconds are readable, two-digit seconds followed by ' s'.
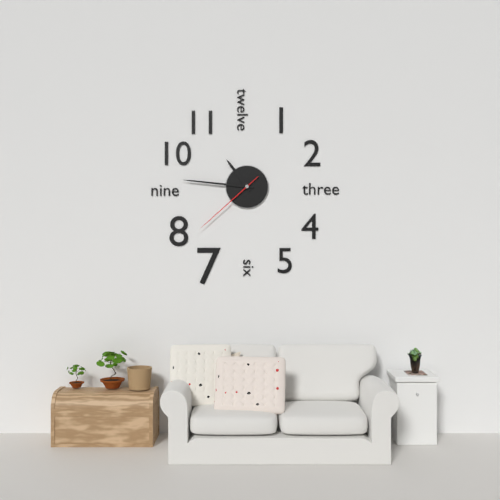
10 h 46 min 38 s
